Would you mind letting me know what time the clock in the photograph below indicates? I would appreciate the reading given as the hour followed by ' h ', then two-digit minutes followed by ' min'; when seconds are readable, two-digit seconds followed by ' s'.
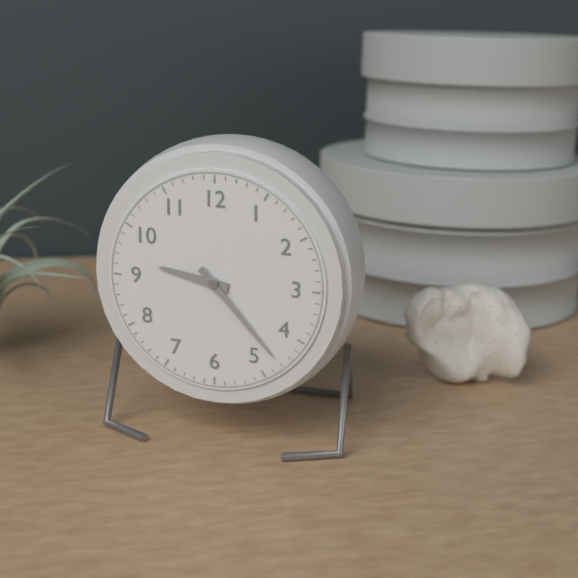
9 h 23 min
